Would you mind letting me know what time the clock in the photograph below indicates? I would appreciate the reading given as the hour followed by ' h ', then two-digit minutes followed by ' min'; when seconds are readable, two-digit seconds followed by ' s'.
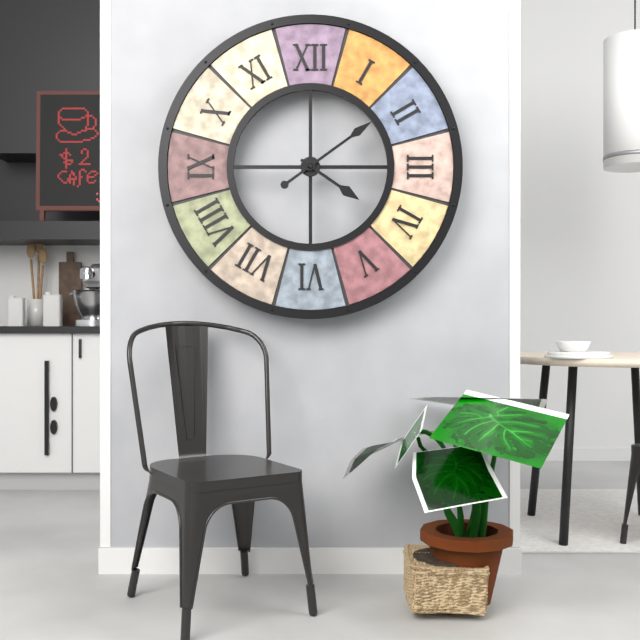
4 h 09 min
